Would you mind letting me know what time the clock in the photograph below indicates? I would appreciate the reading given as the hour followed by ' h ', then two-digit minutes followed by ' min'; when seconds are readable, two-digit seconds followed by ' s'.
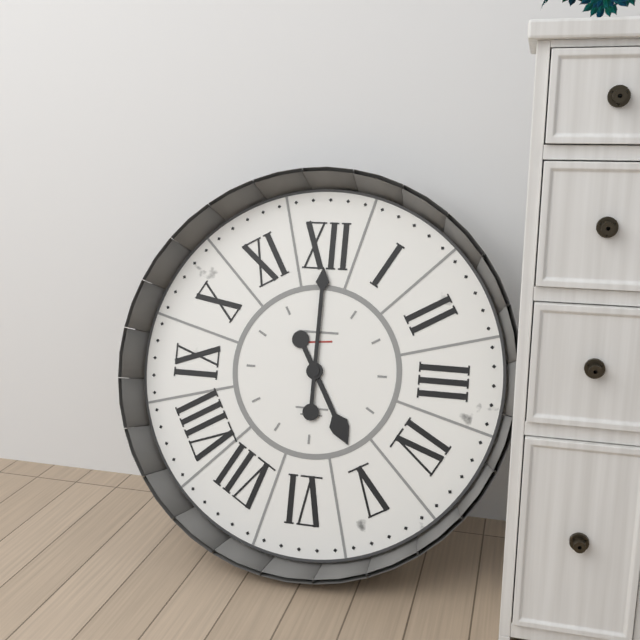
5 h 00 min
